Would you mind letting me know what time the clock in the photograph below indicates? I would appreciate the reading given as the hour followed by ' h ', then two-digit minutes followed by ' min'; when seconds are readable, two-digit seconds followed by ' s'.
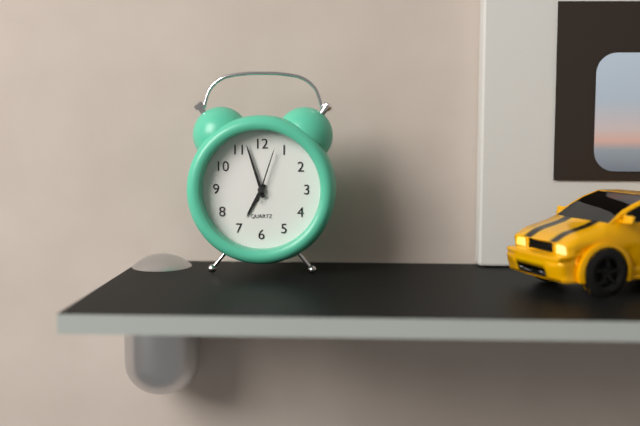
6 h 57 min 03 s
